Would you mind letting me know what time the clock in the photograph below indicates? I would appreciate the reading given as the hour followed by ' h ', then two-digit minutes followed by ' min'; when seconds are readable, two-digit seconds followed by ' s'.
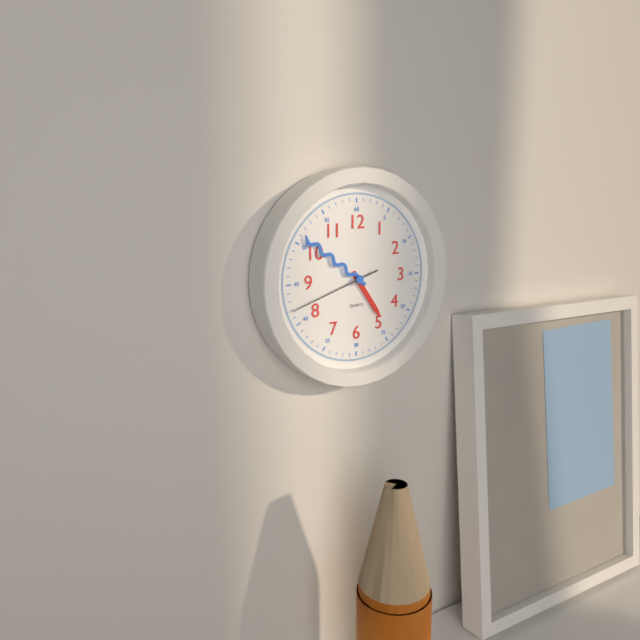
4 h 51 min 42 s
